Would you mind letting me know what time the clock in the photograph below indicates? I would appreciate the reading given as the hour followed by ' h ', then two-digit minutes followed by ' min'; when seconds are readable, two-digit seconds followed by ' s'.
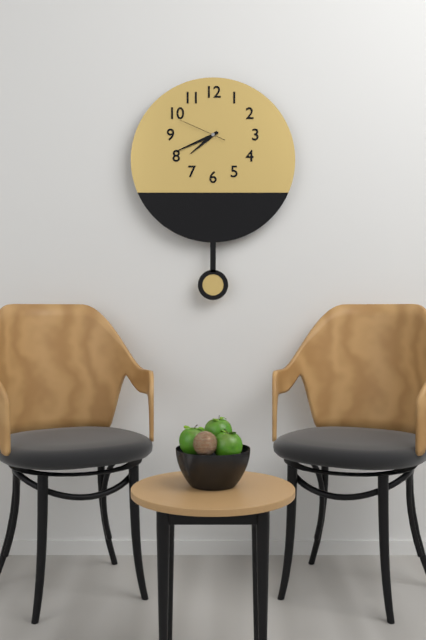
7 h 41 min
